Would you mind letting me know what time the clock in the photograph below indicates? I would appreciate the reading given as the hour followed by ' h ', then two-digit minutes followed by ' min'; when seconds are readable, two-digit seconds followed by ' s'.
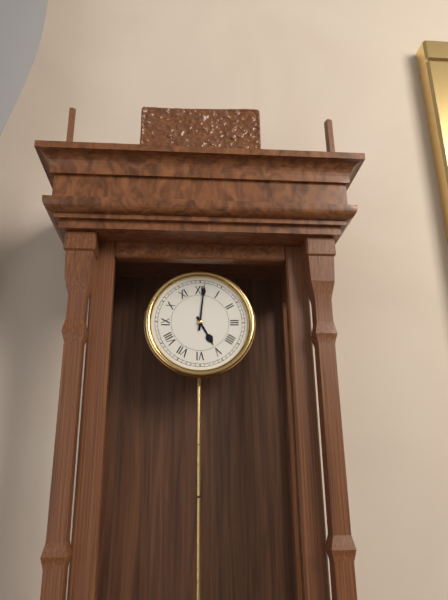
5 h 01 min
